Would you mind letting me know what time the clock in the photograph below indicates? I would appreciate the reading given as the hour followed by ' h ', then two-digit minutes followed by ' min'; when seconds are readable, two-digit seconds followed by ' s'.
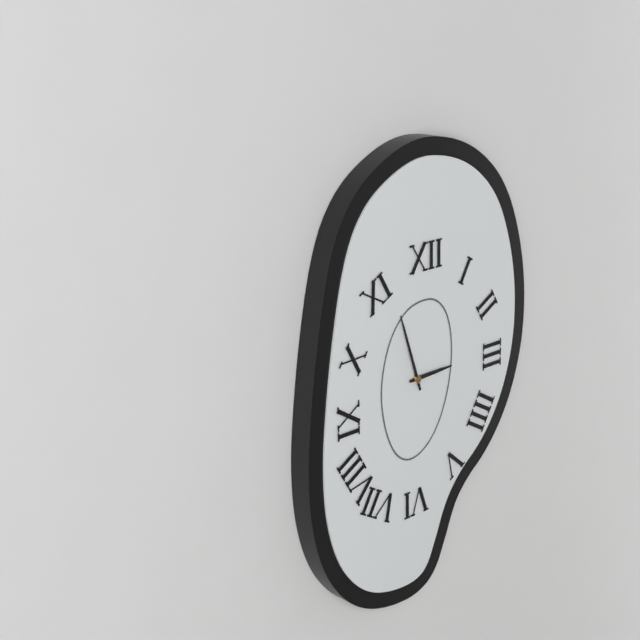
2 h 57 min
